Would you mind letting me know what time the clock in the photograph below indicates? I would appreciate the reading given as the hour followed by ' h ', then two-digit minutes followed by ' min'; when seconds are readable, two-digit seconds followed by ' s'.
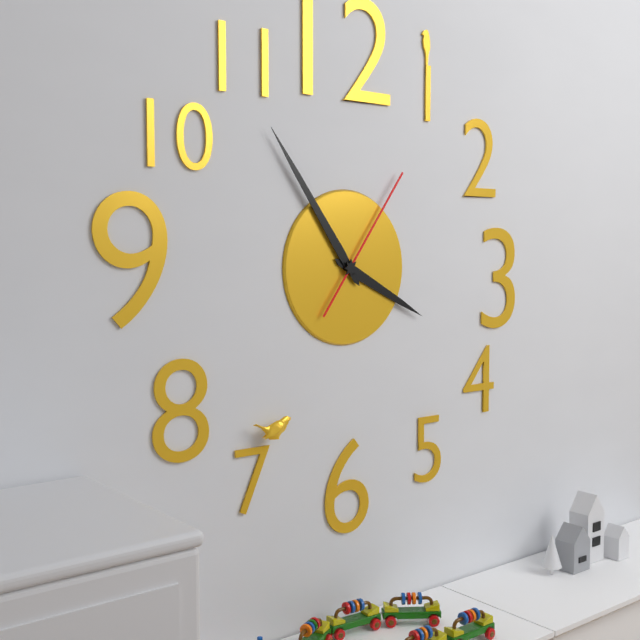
3 h 54 min 06 s
